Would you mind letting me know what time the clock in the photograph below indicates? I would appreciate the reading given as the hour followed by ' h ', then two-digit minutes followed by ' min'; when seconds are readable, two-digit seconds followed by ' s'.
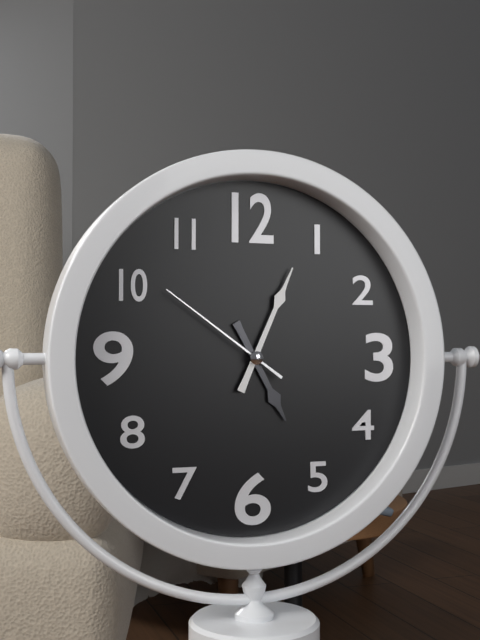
5 h 04 min 51 s
